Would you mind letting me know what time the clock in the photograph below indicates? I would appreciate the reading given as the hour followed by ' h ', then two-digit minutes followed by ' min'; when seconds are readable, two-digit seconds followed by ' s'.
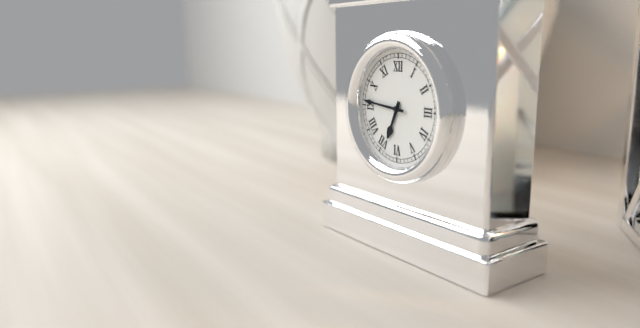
6 h 46 min
